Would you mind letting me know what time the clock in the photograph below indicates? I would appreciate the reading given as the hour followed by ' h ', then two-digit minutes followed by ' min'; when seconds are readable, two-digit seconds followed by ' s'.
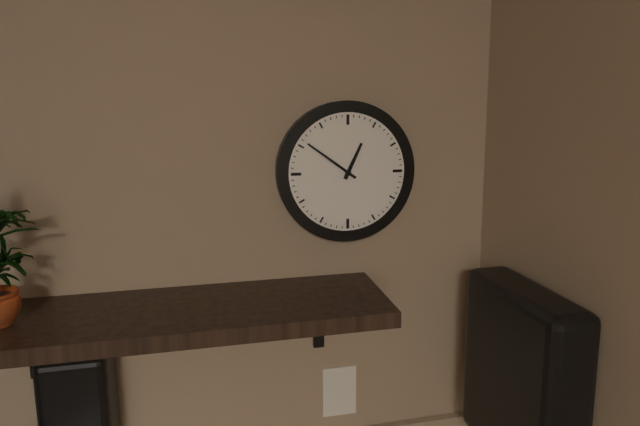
12 h 51 min
